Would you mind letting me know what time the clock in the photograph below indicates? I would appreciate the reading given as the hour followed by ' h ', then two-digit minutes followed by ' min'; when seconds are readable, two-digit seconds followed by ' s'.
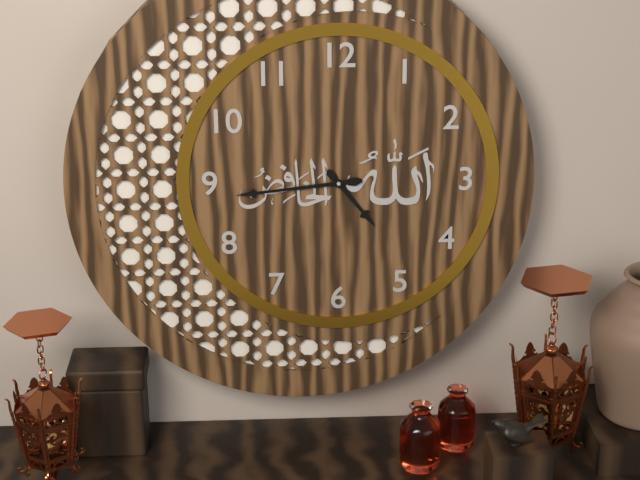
4 h 44 min
